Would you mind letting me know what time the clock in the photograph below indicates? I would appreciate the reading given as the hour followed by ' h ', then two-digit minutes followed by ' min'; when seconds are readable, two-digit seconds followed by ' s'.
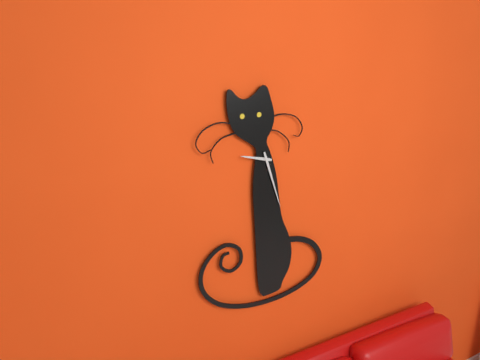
9 h 27 min
